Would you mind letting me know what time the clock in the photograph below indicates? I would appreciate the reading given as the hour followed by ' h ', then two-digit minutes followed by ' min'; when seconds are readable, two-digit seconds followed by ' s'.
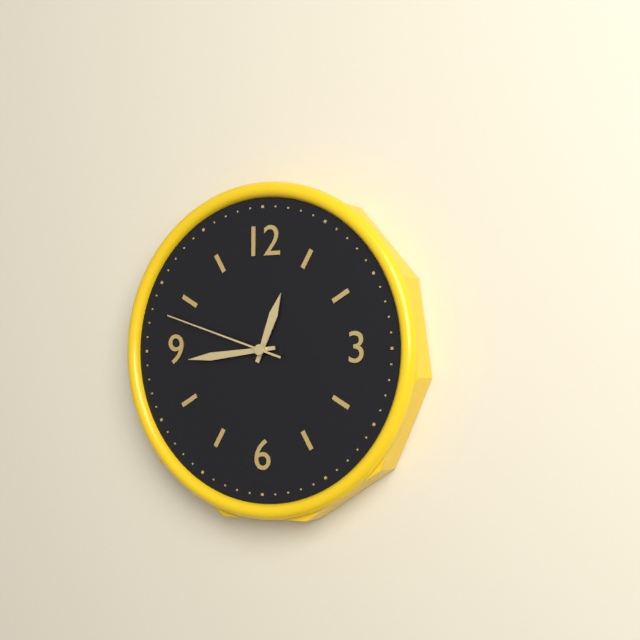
12 h 44 min 48 s
